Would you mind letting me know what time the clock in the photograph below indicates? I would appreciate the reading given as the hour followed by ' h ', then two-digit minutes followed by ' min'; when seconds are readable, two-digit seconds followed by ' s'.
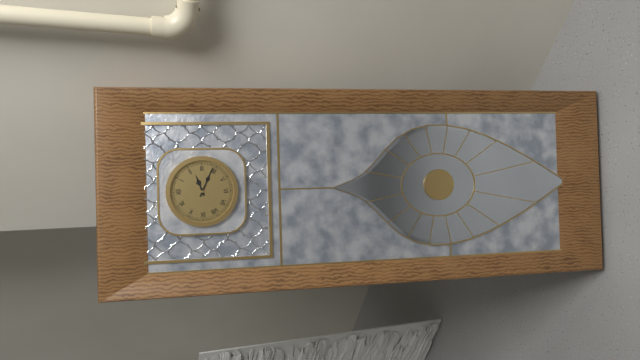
2 h 19 min
